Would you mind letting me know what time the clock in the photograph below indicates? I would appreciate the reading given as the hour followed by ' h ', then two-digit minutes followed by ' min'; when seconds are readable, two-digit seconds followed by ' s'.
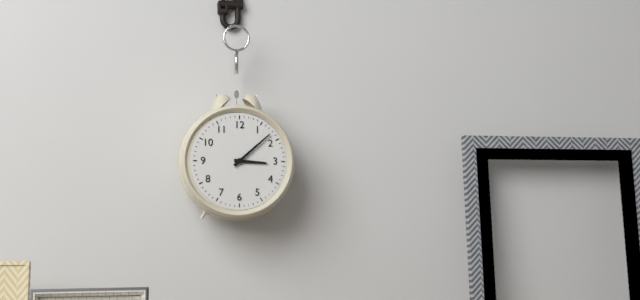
3 h 08 min
